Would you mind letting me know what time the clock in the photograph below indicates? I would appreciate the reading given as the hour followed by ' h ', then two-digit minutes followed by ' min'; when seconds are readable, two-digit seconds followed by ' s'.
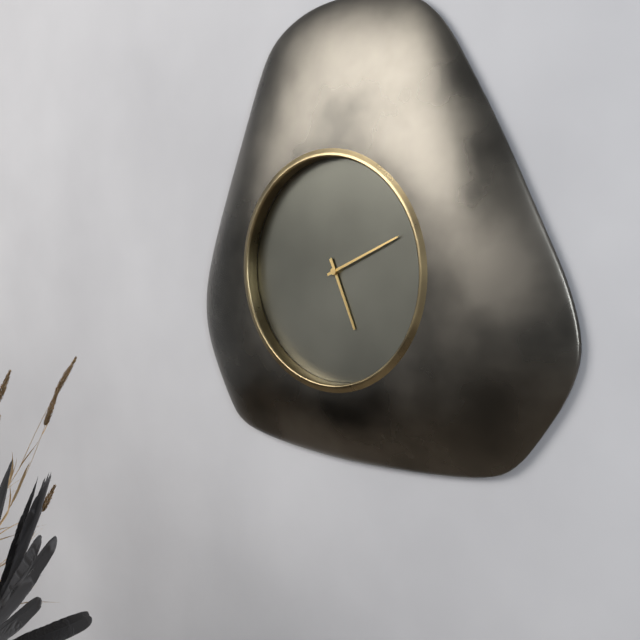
5 h 11 min
